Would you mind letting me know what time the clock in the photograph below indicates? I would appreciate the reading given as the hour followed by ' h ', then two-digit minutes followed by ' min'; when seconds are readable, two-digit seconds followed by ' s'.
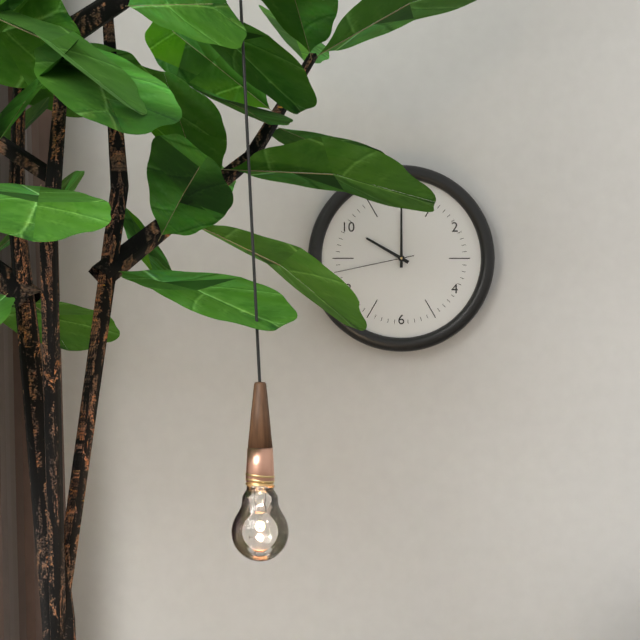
10 h 00 min 43 s
